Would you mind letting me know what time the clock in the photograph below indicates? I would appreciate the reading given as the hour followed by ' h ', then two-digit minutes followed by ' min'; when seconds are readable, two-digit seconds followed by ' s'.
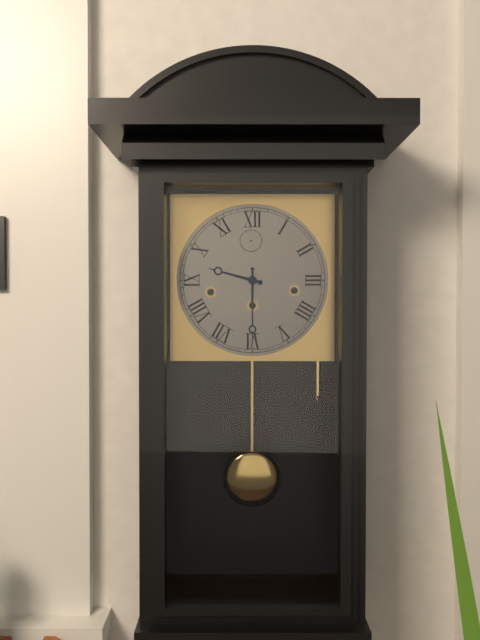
9 h 30 min
